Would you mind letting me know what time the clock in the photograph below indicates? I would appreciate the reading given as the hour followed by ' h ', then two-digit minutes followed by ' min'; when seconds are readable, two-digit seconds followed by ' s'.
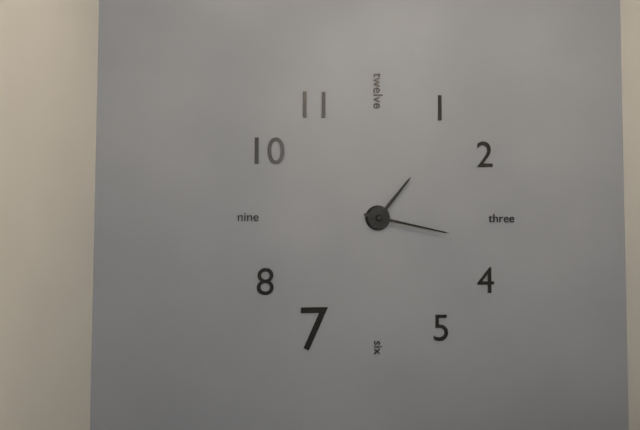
1 h 17 min
